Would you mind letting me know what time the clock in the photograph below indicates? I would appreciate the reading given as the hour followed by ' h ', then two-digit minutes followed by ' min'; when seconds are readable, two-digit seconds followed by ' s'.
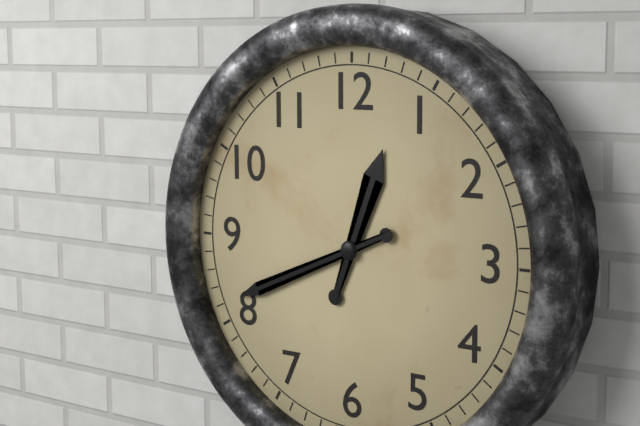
12 h 41 min
